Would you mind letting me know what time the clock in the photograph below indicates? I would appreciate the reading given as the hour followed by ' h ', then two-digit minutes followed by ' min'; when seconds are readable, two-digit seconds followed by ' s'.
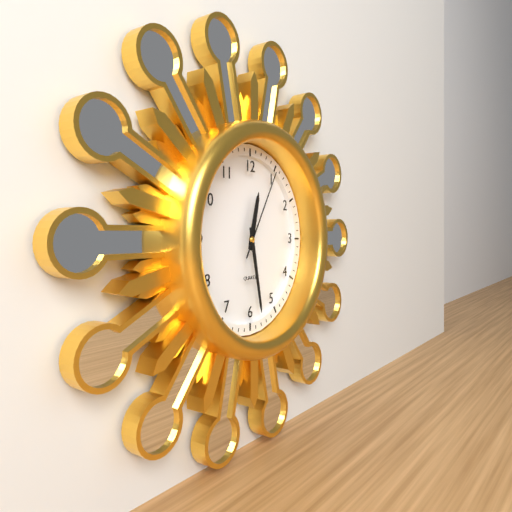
12 h 28 min 05 s
